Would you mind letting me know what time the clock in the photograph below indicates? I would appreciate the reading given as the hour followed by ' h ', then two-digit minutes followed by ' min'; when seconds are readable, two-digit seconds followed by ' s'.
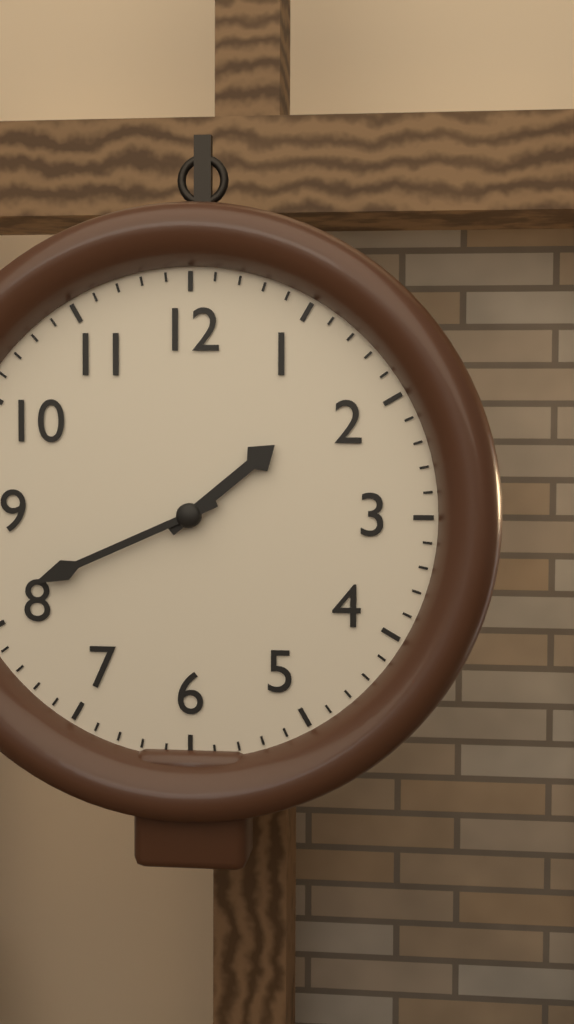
1 h 41 min
